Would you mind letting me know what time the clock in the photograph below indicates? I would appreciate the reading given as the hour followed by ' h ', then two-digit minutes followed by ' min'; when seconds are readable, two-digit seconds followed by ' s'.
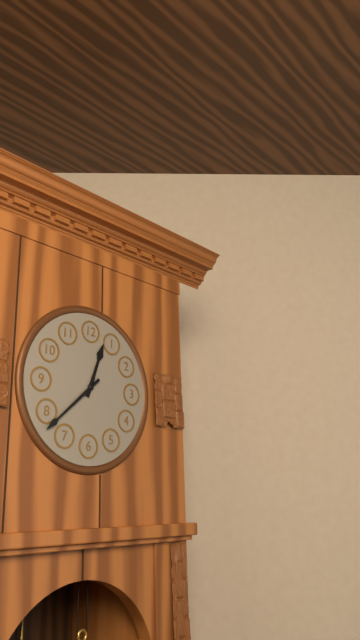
12 h 38 min
